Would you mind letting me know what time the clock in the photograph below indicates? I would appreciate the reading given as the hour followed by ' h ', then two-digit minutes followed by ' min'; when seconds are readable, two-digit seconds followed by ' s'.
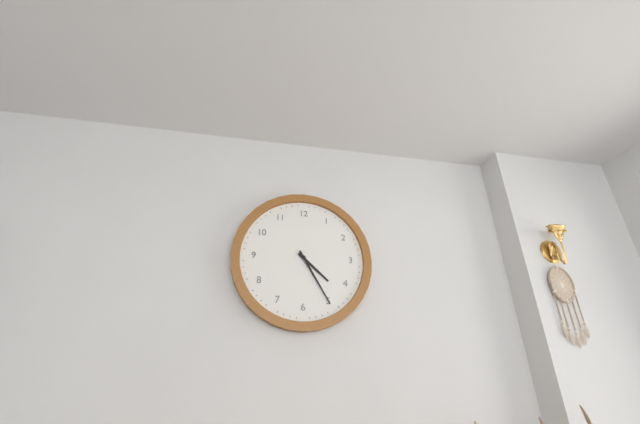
4 h 25 min
